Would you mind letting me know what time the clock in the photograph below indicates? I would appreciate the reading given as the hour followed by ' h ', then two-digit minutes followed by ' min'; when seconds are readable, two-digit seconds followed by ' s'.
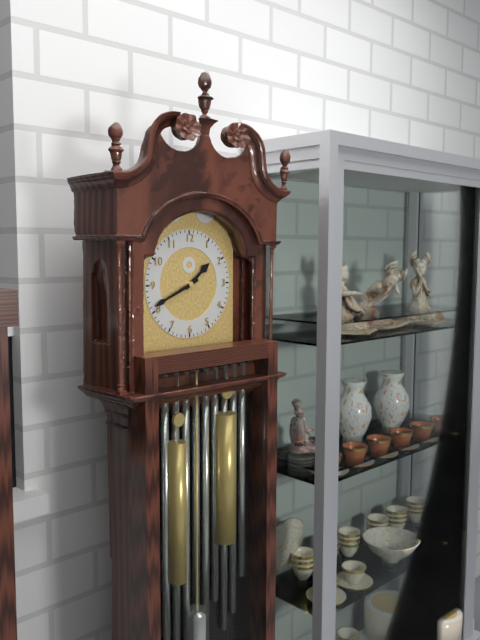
1 h 41 min
